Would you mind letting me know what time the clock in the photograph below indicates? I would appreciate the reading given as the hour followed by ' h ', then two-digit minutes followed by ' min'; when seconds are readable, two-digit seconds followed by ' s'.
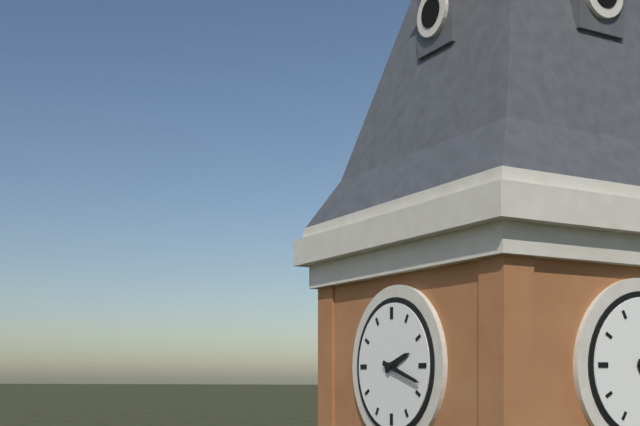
2 h 18 min
